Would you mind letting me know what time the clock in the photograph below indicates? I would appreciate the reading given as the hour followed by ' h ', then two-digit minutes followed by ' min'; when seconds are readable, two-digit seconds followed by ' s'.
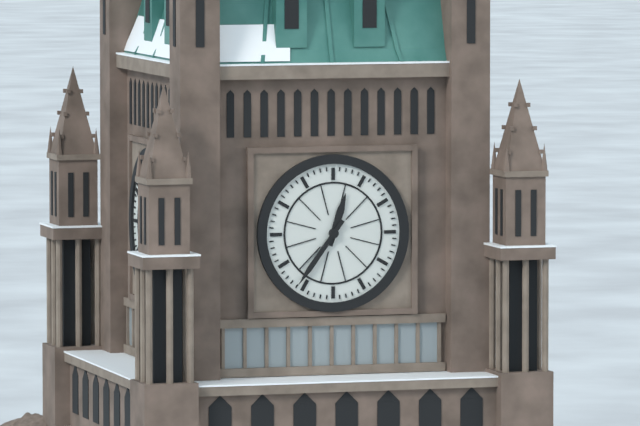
12 h 36 min
